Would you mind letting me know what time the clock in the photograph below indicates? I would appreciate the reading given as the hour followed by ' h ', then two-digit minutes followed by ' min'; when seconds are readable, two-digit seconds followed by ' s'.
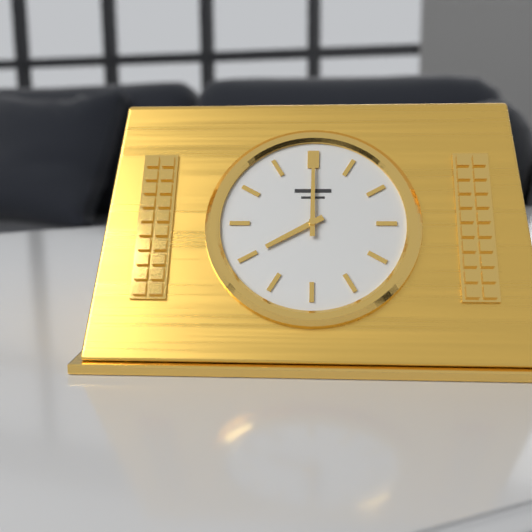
8 h 00 min
